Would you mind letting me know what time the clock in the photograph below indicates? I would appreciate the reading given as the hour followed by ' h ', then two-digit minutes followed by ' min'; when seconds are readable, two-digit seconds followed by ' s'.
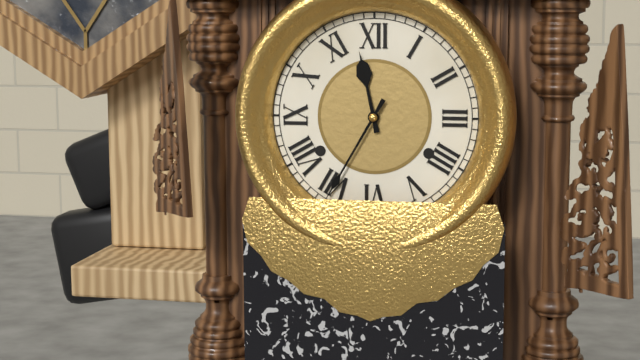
11 h 35 min
